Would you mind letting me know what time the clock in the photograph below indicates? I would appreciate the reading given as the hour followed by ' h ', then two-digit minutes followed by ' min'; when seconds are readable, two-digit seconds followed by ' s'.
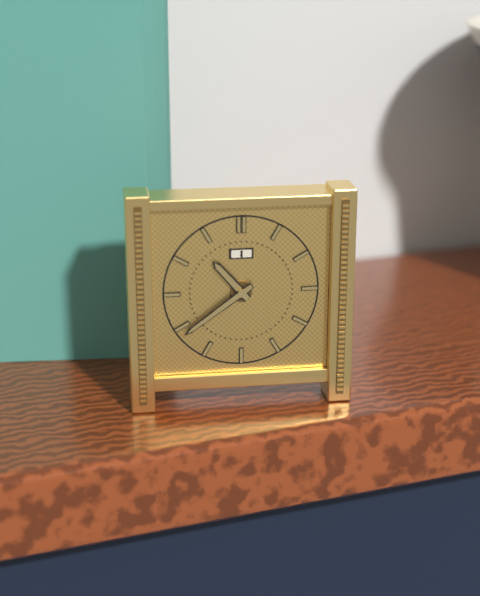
10 h 39 min
